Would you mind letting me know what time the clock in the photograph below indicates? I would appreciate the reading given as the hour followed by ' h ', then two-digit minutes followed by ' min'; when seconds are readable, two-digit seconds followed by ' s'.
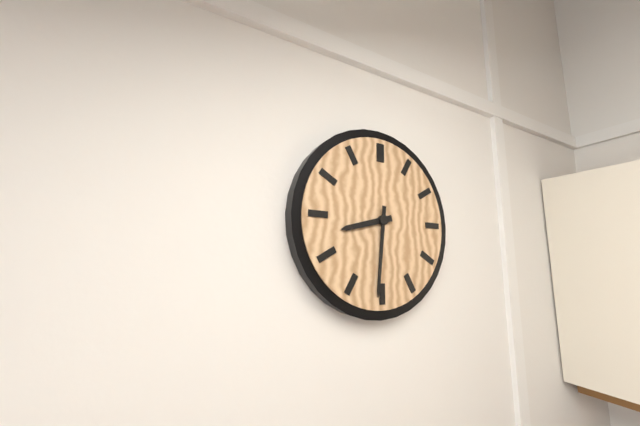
8 h 31 min
